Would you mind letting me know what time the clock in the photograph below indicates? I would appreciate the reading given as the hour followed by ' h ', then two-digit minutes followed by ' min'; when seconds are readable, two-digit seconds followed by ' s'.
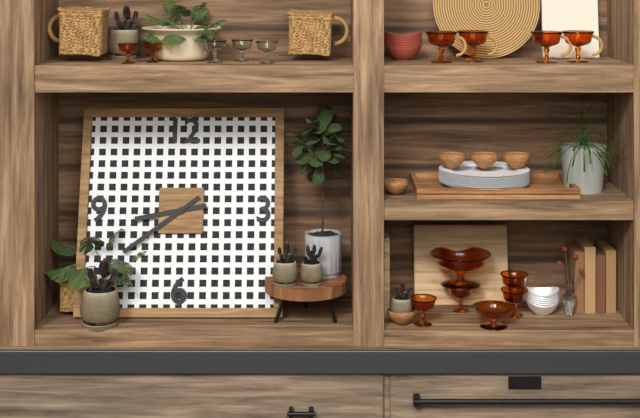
8 h 39 min
